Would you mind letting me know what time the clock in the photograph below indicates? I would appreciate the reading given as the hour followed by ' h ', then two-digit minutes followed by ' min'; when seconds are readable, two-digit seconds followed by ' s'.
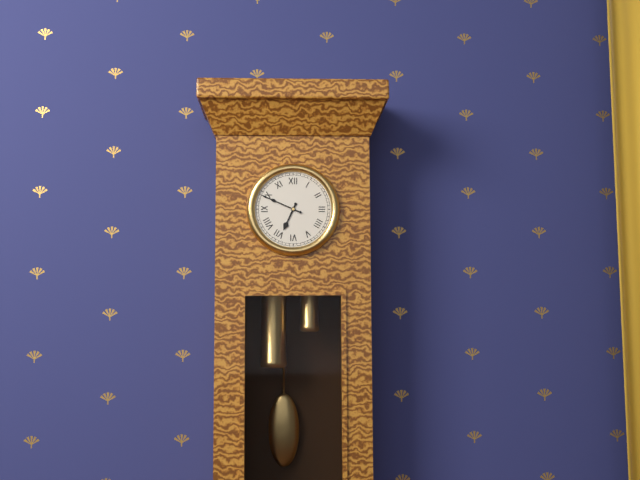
6 h 49 min
